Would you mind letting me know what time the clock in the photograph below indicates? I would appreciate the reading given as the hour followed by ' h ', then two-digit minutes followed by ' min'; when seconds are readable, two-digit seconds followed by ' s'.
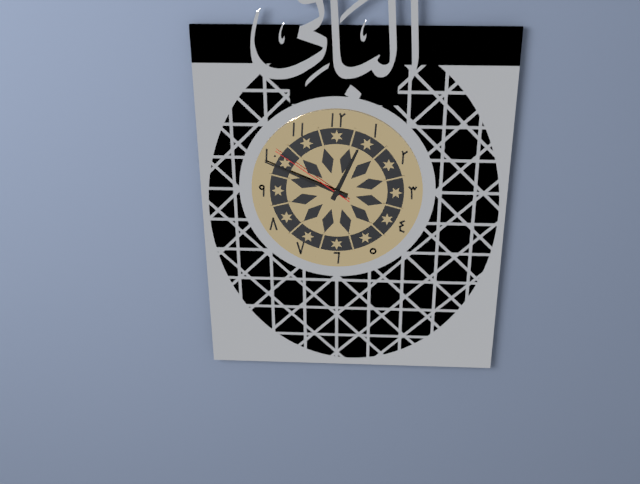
12 h 49 min 51 s
